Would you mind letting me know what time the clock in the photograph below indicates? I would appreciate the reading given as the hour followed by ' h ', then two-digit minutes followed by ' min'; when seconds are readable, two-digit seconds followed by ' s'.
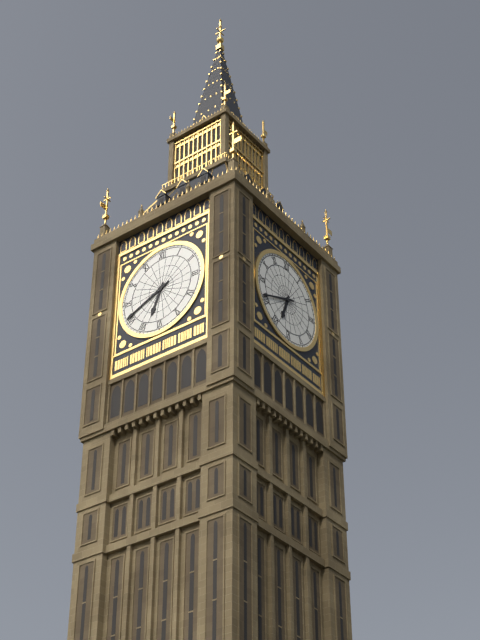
6 h 41 min
